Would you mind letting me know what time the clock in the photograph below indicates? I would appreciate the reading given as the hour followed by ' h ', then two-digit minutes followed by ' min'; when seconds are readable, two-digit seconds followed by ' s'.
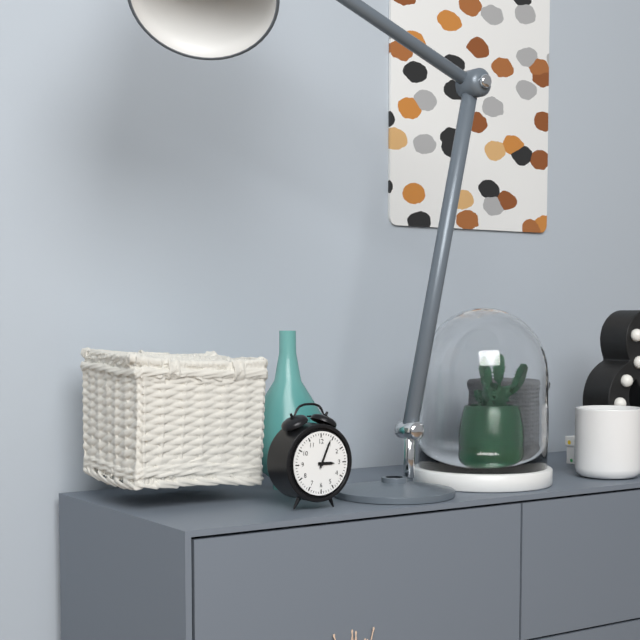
3 h 04 min
